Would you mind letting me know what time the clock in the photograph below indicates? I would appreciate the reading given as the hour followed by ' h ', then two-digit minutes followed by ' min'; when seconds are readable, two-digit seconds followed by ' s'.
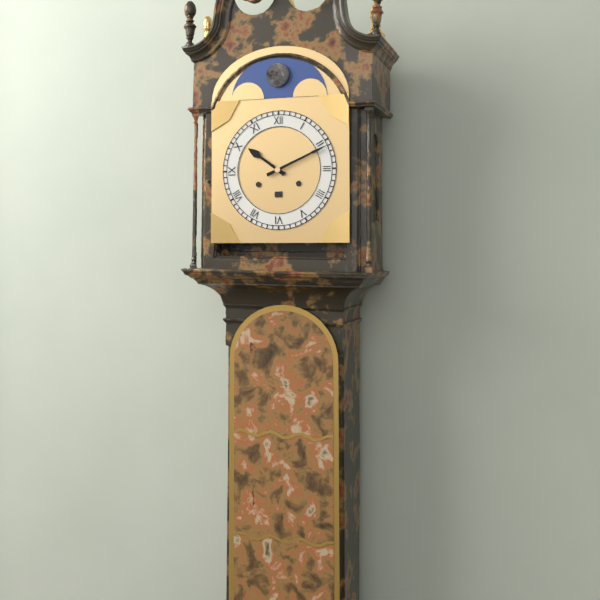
10 h 11 min
